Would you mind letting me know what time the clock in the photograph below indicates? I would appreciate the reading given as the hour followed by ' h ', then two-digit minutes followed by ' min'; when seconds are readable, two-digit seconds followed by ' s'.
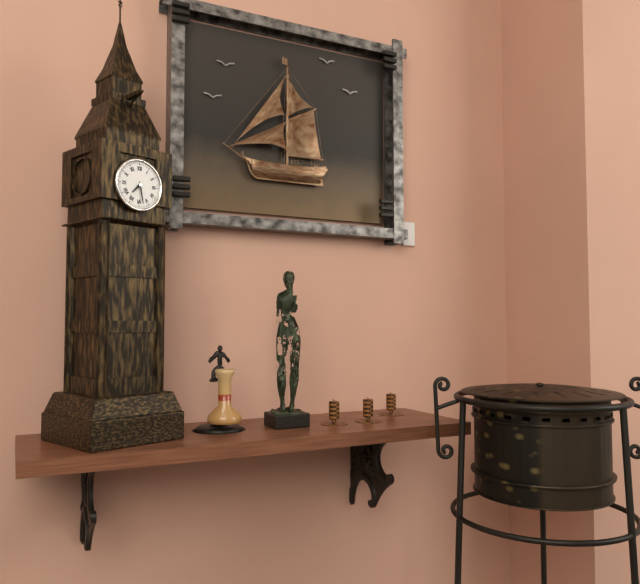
7 h 28 min
